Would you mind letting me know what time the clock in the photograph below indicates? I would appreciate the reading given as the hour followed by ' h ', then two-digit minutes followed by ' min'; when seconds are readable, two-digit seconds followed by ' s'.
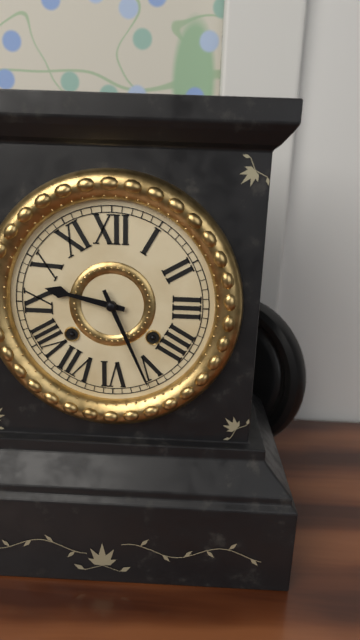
9 h 26 min
